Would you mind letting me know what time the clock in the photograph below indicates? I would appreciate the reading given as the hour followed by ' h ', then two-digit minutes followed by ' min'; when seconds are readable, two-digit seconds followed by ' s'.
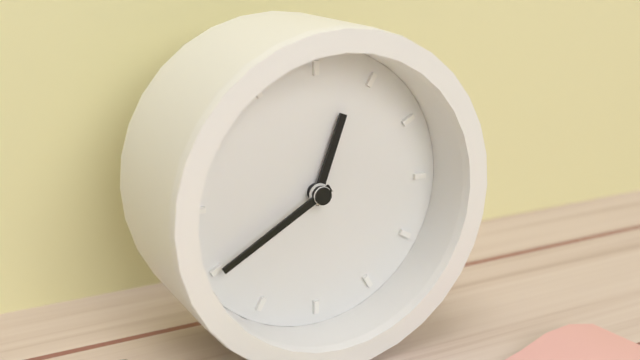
12 h 40 min
